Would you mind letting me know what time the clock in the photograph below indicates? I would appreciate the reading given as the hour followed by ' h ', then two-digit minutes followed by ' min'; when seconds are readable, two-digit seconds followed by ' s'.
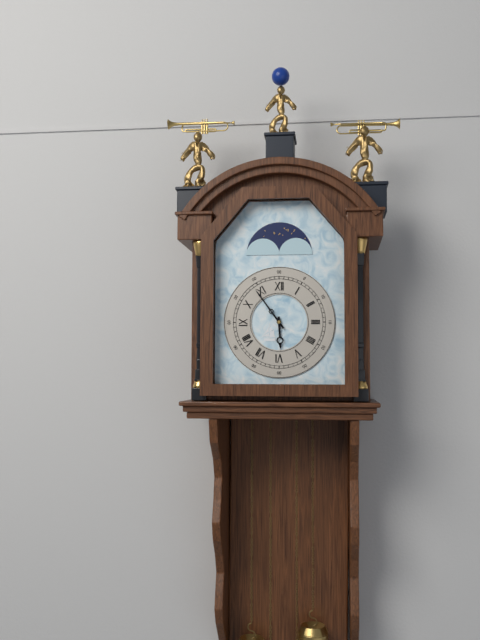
5 h 54 min
